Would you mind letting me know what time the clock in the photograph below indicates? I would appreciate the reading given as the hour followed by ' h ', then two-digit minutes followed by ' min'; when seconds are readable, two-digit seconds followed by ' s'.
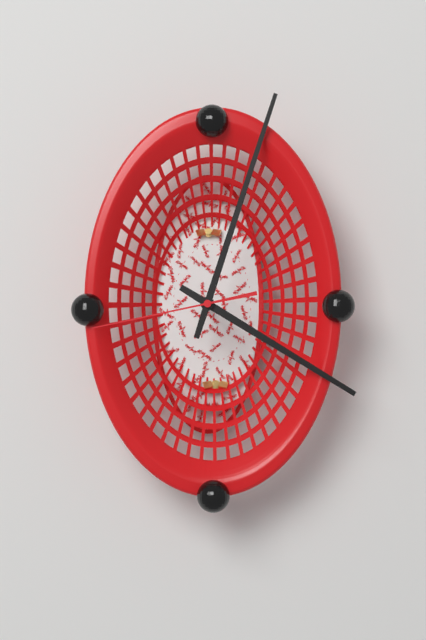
4 h 03 min 43 s
